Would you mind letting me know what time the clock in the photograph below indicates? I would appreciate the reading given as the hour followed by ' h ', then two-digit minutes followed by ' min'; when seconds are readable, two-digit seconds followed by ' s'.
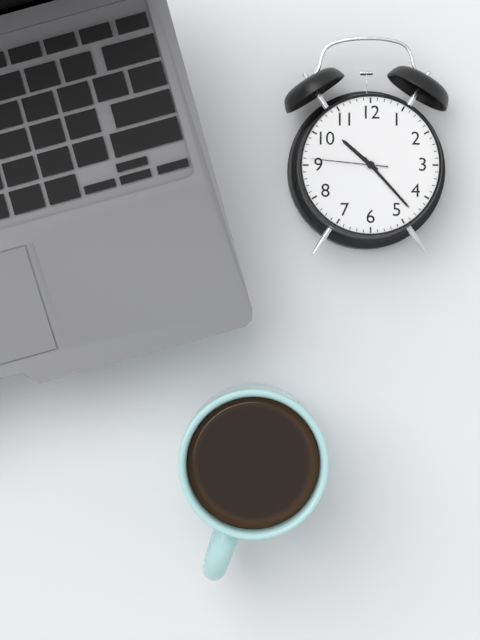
10 h 23 min 46 s
